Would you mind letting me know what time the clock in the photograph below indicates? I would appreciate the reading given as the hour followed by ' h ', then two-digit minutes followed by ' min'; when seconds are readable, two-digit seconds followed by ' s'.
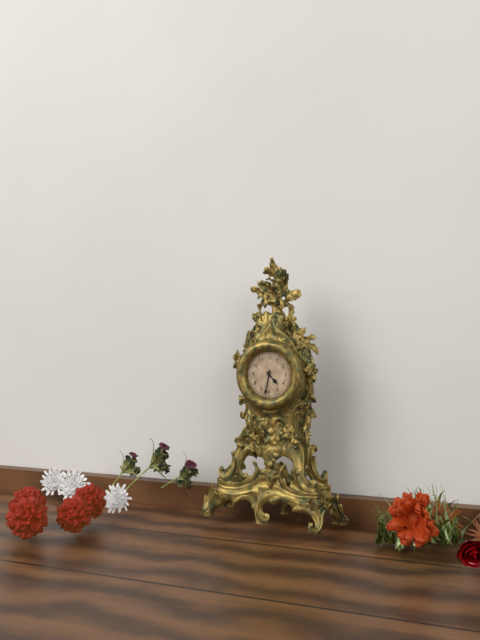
4 h 32 min
